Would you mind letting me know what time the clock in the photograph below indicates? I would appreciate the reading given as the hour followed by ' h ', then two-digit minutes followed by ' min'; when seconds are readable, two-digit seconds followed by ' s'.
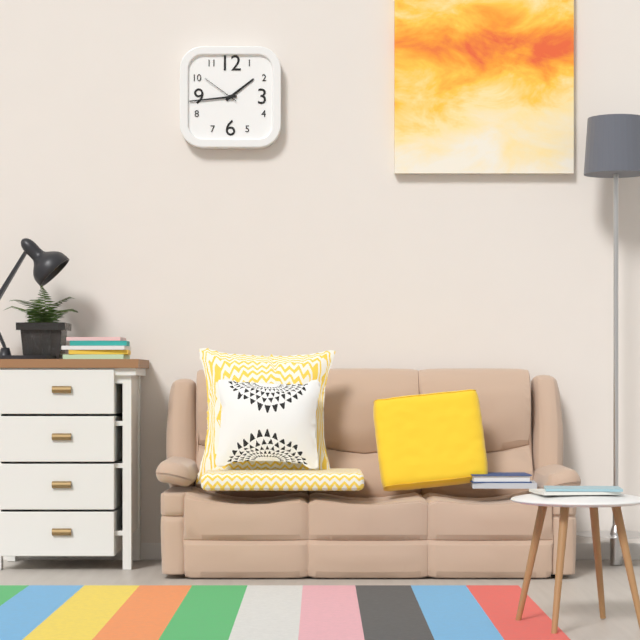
1 h 44 min
